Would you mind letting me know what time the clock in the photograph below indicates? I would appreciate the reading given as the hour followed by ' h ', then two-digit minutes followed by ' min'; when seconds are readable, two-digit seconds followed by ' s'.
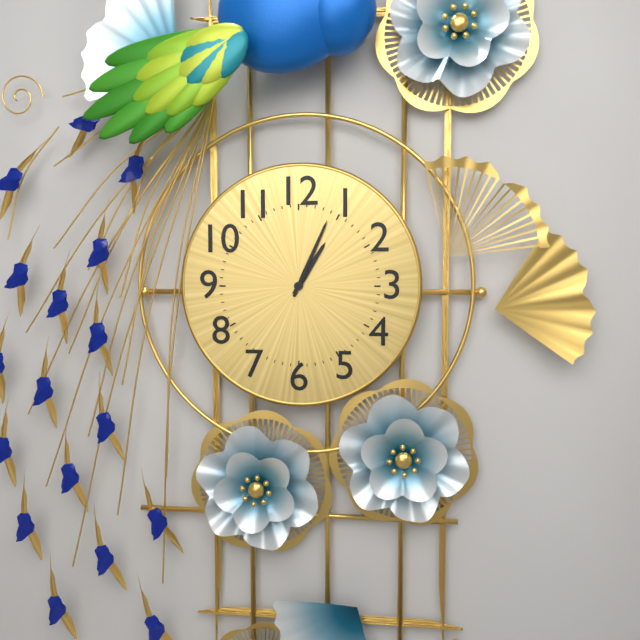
1 h 04 min
